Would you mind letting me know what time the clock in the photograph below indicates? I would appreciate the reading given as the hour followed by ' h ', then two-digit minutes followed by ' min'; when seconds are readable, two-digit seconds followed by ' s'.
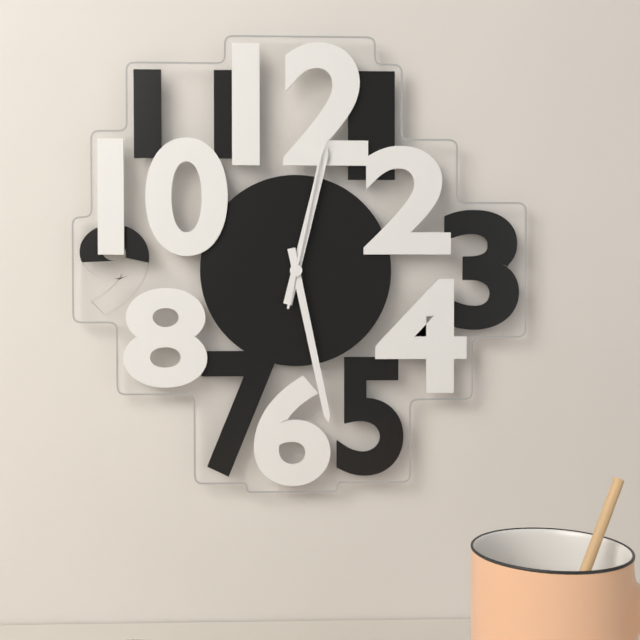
12 h 28 min 02 s
